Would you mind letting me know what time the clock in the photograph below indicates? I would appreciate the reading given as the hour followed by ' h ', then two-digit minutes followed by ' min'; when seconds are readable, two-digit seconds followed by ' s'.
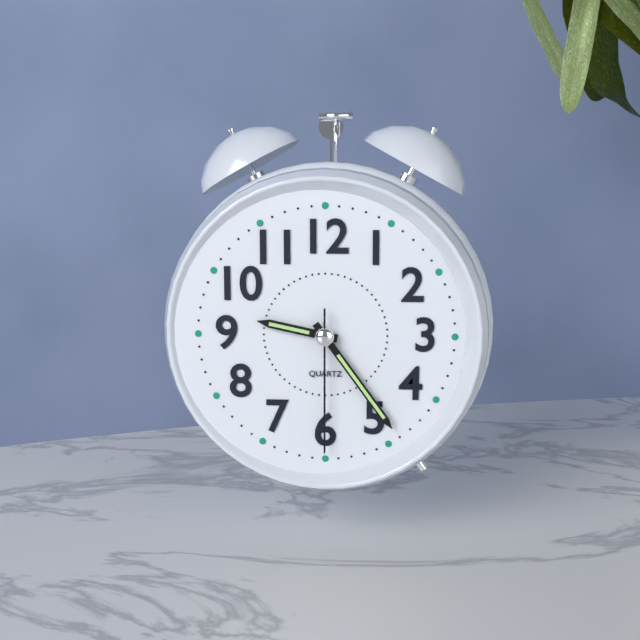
9 h 24 min 30 s
